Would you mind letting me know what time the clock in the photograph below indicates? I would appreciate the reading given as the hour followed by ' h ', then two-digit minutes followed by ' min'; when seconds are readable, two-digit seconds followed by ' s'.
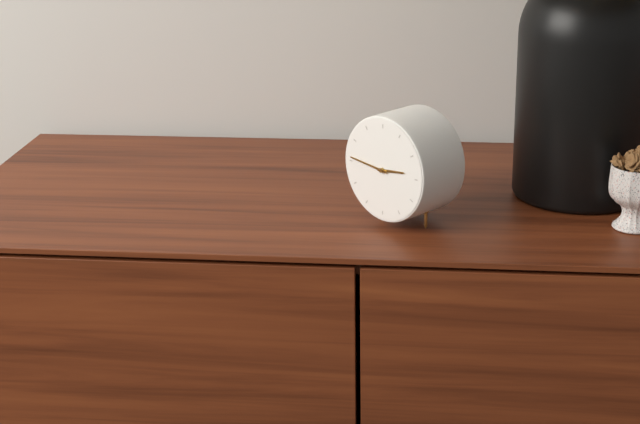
2 h 46 min
